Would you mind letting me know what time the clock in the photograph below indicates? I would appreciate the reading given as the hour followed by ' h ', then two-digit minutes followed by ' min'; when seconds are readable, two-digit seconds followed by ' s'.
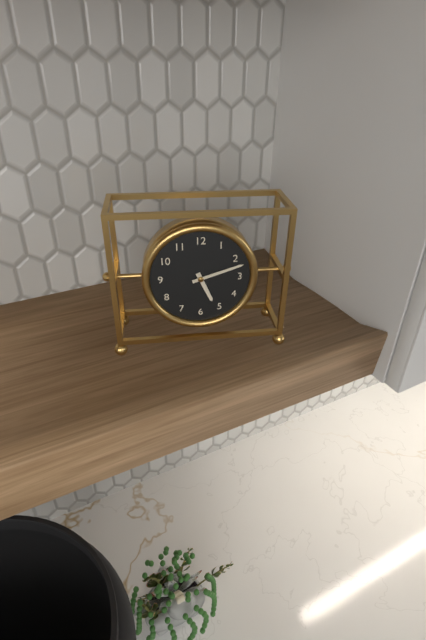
5 h 12 min
